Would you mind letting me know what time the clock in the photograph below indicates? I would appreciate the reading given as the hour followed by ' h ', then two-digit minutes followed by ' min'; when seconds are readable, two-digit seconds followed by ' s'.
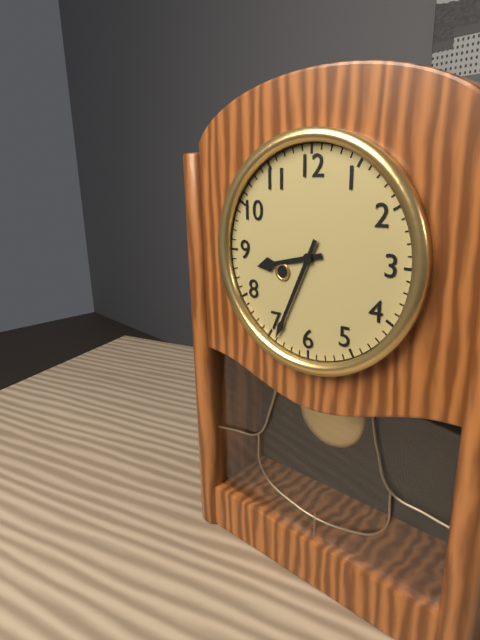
8 h 34 min
